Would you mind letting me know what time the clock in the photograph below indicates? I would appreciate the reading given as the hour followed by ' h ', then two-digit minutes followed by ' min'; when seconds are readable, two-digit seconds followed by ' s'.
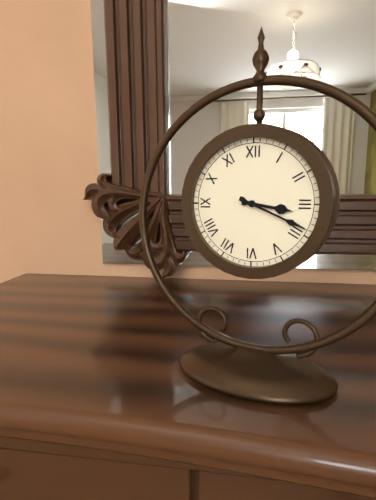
3 h 19 min
